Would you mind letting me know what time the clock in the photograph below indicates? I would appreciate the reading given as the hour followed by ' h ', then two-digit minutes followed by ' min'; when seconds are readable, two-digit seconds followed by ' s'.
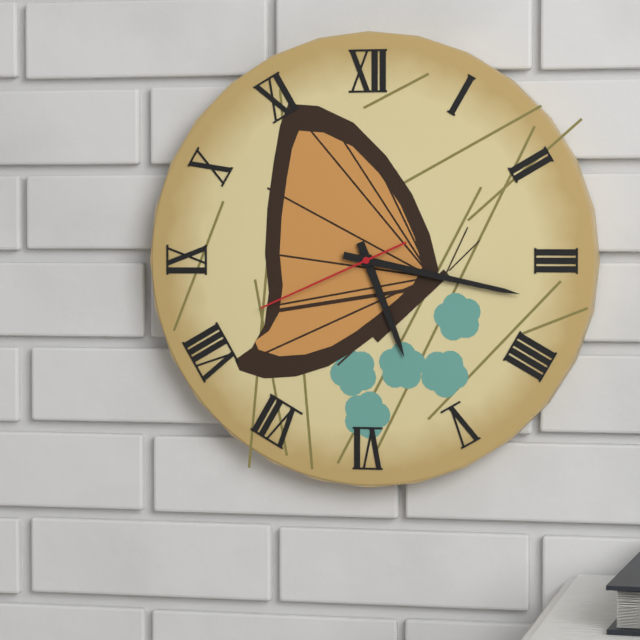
5 h 17 min 41 s
